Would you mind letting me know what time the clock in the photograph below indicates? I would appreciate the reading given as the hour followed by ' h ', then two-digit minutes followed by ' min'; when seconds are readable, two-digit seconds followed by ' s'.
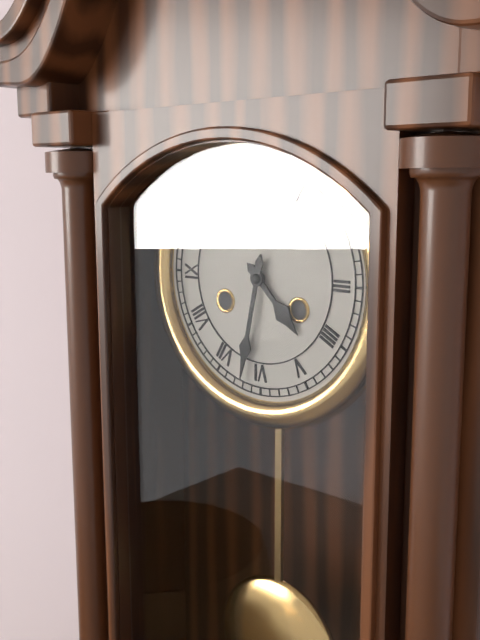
4 h 32 min
